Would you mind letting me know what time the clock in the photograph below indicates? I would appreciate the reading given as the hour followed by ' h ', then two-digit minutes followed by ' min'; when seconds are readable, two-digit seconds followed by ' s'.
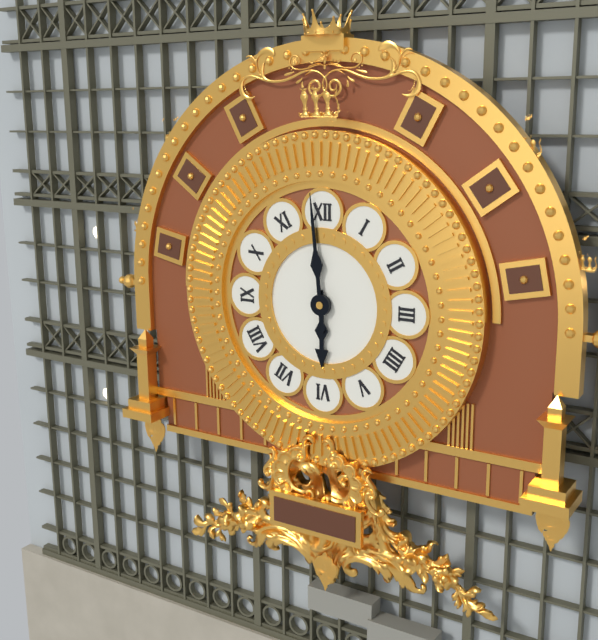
5 h 59 min
